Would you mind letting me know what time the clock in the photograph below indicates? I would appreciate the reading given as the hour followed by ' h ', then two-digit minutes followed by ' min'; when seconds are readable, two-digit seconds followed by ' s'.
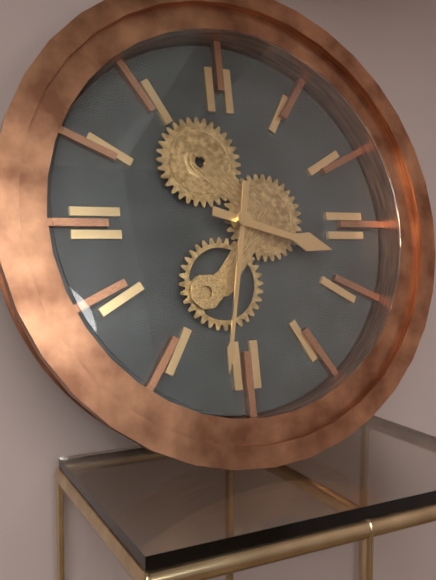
3 h 32 min
